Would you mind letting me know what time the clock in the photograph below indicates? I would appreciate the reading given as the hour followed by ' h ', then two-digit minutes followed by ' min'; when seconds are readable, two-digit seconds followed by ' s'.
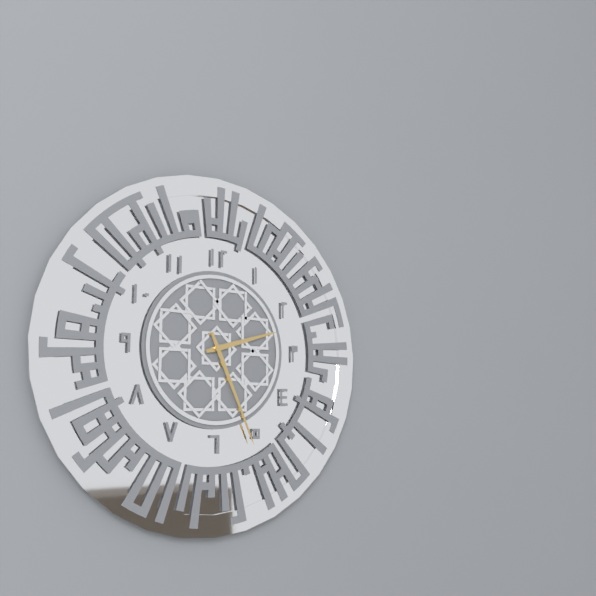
2 h 26 min
